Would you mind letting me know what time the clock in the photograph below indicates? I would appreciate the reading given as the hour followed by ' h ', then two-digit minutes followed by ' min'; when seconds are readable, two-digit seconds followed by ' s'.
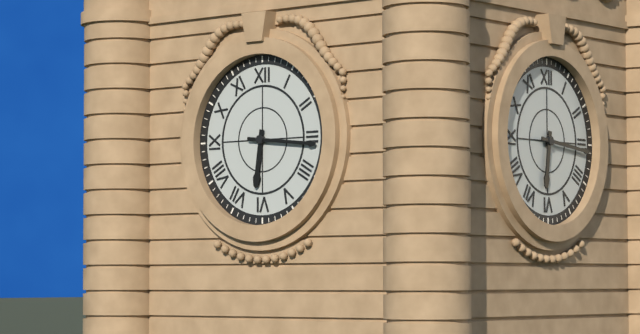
6 h 16 min
